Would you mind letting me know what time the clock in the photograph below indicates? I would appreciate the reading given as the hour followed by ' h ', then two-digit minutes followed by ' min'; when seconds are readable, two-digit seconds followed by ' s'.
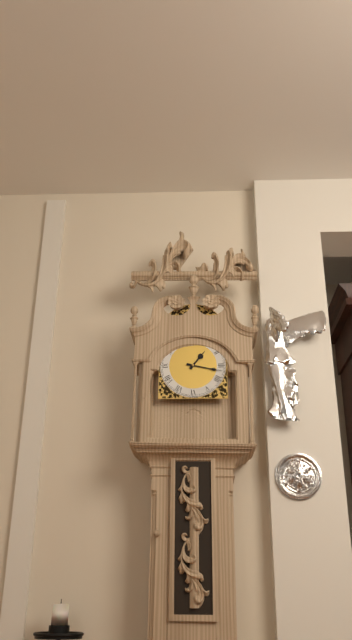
1 h 17 min
